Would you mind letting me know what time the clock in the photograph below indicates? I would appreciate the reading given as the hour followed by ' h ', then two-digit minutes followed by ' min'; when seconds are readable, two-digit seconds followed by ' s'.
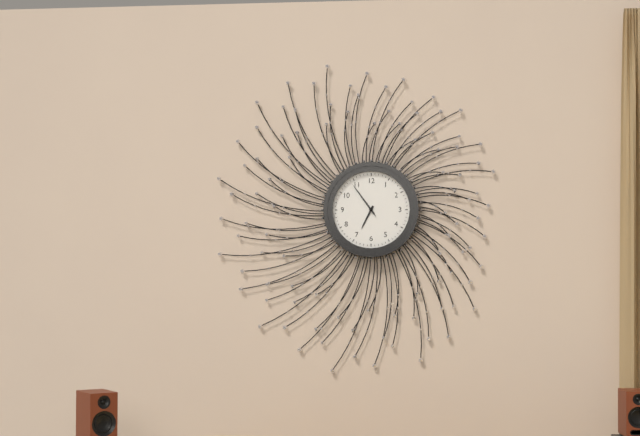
6 h 54 min
